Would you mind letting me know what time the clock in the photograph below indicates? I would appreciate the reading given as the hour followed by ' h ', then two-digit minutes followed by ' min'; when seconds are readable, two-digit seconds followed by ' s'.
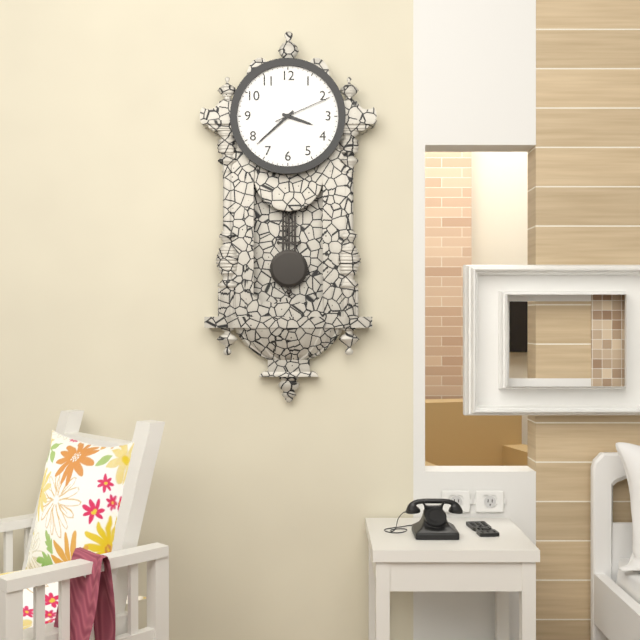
3 h 38 min 11 s
